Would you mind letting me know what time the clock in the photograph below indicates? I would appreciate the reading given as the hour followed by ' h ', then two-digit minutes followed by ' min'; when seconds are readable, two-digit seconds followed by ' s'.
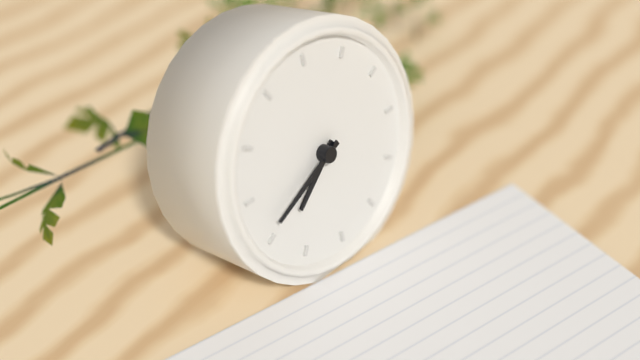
7 h 41 min
